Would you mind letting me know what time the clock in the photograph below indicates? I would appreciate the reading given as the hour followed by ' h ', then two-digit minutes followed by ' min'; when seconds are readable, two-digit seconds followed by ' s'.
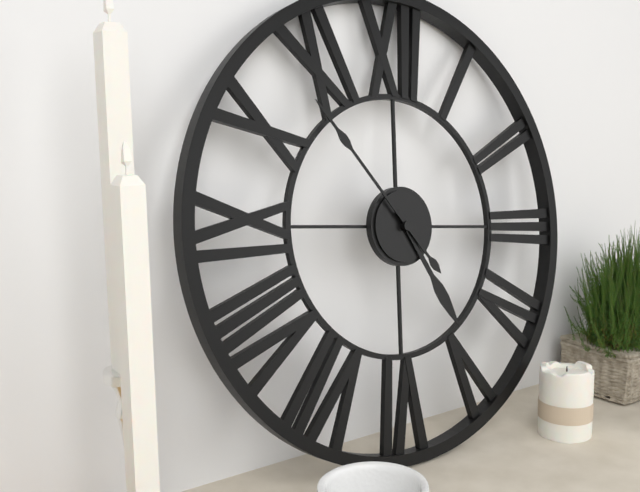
4 h 53 min
